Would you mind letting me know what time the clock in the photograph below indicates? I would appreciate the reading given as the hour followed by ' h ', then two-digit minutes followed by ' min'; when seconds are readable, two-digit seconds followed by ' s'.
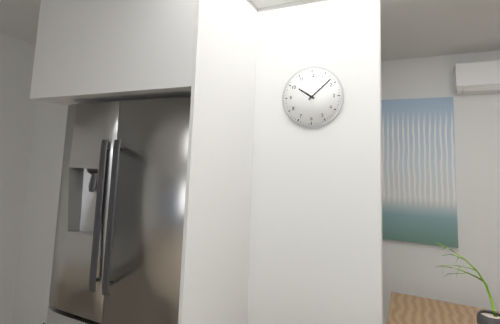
10 h 08 min
